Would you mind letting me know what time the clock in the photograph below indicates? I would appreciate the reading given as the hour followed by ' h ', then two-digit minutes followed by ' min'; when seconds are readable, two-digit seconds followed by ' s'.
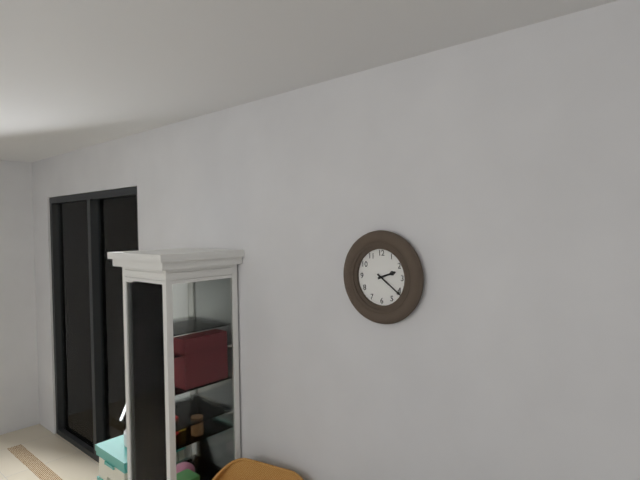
2 h 21 min
